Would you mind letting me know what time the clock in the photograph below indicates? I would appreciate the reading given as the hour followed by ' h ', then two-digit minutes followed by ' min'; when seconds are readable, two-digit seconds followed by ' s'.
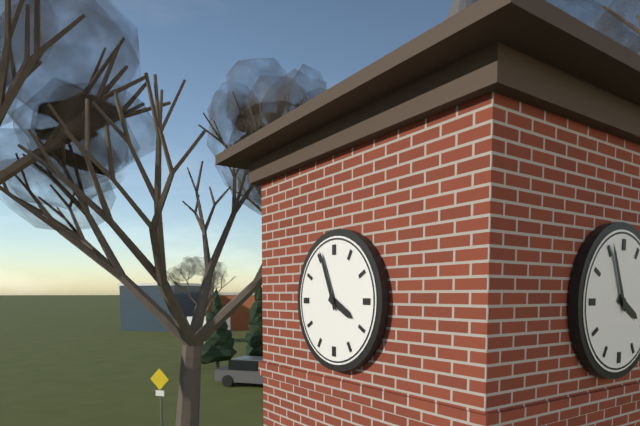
3 h 56 min
